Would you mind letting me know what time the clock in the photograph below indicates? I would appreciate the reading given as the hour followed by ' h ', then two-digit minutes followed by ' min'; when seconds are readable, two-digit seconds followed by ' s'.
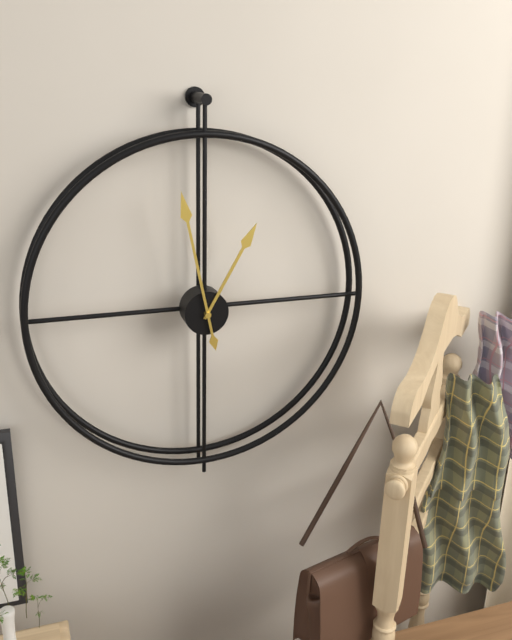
12 h 58 min
